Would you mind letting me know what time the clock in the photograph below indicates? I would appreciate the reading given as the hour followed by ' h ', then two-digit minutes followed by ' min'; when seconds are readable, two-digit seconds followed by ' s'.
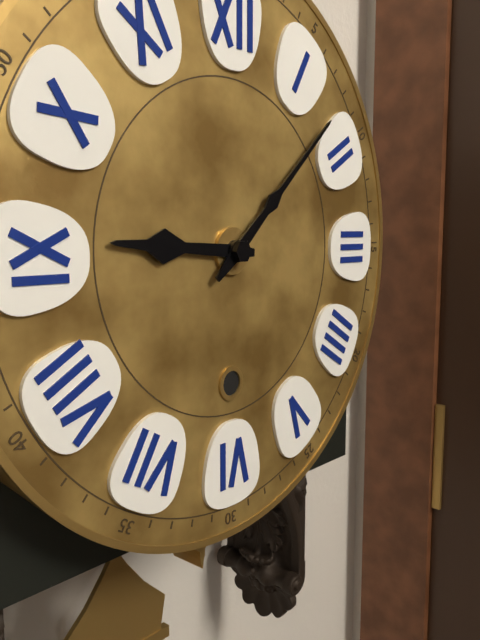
9 h 08 min
